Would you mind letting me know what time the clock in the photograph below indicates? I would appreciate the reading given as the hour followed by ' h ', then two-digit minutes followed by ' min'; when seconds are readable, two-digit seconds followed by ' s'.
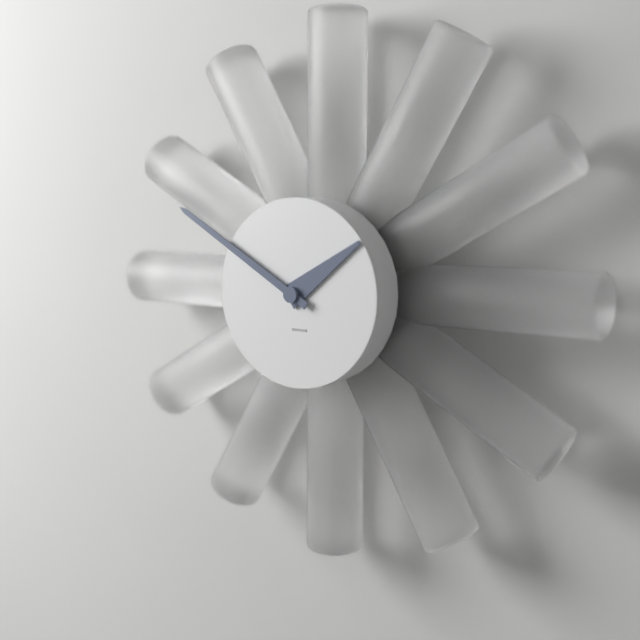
1 h 50 min
